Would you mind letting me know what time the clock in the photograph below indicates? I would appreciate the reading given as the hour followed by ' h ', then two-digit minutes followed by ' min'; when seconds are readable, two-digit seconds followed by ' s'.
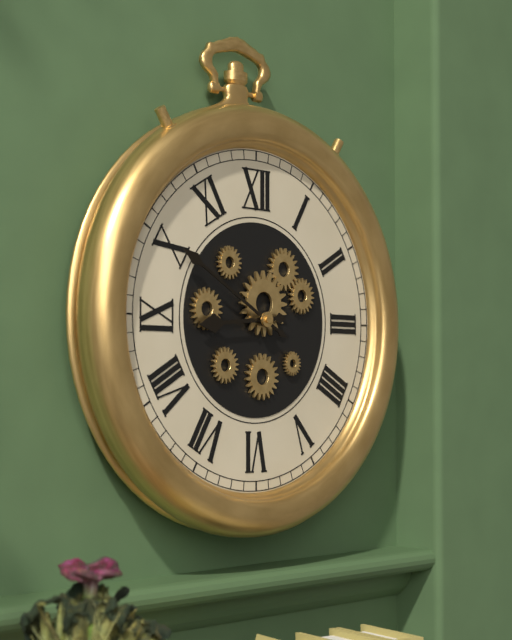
8 h 50 min
